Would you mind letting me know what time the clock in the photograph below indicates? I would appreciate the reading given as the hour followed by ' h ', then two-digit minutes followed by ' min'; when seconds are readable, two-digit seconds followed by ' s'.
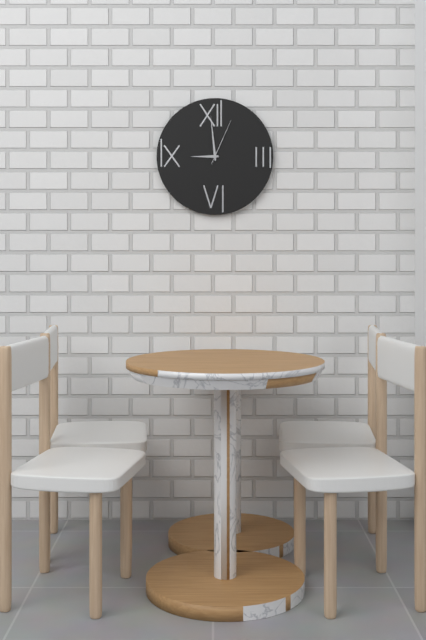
8 h 59 min 04 s
